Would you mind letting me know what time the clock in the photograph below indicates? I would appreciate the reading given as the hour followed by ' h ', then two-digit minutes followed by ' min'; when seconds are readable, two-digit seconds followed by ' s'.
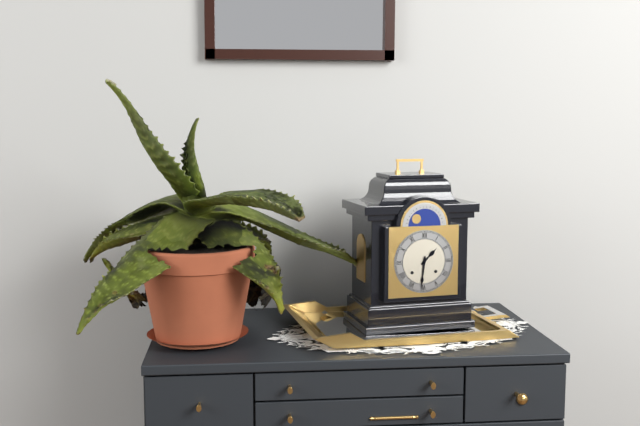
1 h 31 min
